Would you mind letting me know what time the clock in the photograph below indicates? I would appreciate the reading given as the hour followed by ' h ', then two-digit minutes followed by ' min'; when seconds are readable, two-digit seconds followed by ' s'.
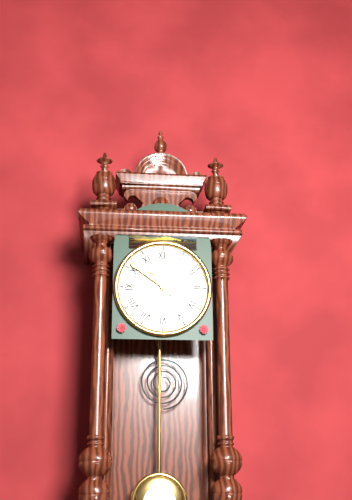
10 h 51 min
